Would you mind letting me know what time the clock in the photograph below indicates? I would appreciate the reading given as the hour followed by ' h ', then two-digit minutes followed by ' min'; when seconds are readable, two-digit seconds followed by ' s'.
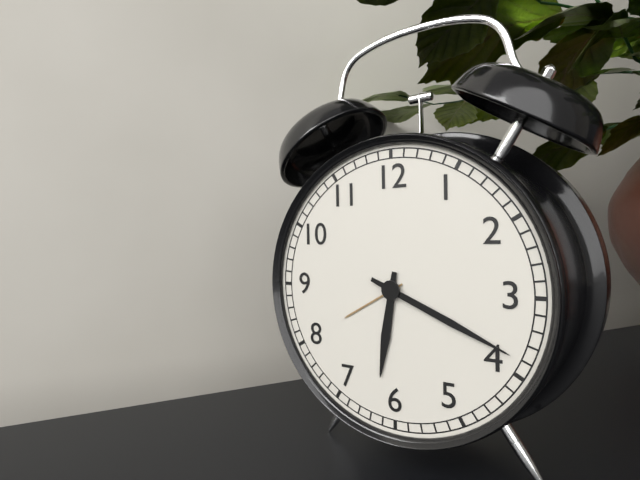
6 h 19 min
